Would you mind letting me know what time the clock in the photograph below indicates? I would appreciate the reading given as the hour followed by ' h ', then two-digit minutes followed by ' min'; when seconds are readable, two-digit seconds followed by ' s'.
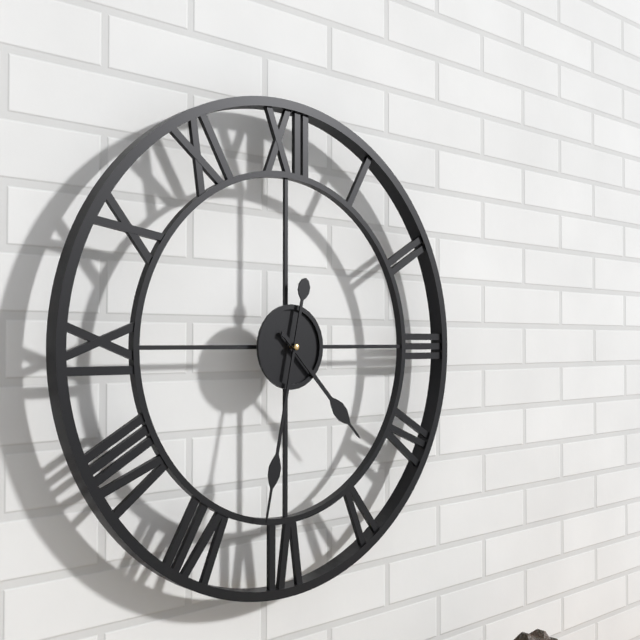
4 h 32 min
